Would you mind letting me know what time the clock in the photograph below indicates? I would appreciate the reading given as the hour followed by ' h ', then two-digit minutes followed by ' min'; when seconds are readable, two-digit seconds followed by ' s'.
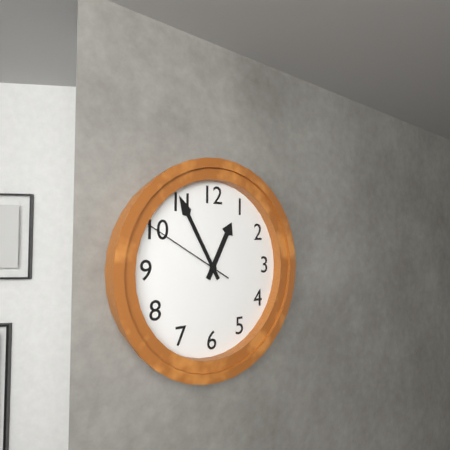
12 h 55 min 50 s
